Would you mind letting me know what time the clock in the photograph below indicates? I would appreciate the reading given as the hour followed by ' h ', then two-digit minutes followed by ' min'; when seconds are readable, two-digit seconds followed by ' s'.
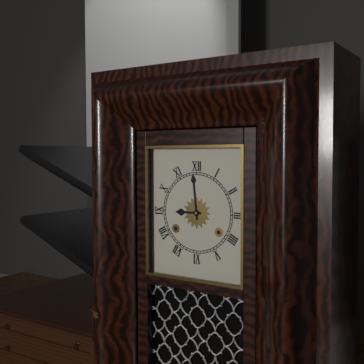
8 h 59 min
